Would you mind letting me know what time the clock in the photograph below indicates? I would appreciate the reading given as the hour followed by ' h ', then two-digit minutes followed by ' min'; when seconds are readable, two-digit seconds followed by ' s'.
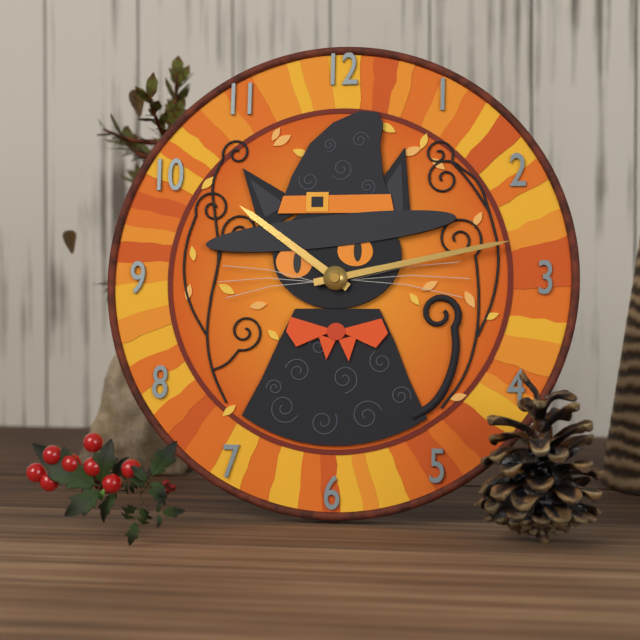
10 h 13 min
